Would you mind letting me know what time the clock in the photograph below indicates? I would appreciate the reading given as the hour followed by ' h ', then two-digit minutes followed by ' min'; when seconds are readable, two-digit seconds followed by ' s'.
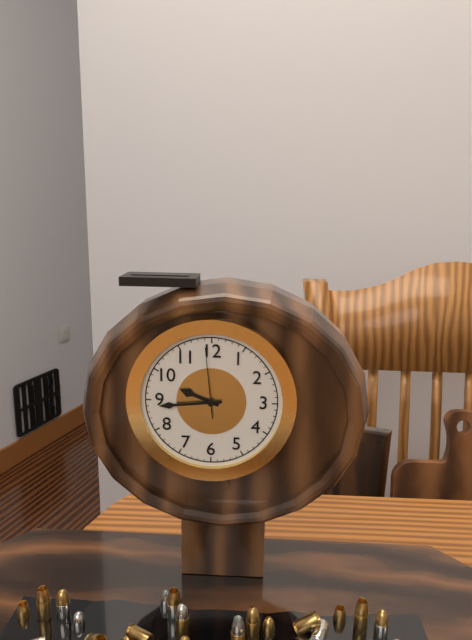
9 h 44 min 59 s
